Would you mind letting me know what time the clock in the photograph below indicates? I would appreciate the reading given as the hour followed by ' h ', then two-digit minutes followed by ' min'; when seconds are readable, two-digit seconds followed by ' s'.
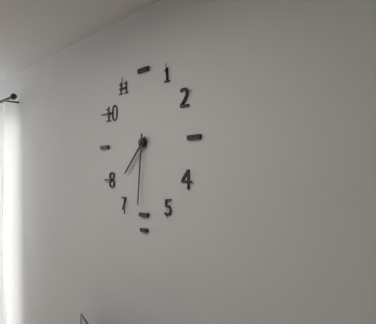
7 h 31 min
